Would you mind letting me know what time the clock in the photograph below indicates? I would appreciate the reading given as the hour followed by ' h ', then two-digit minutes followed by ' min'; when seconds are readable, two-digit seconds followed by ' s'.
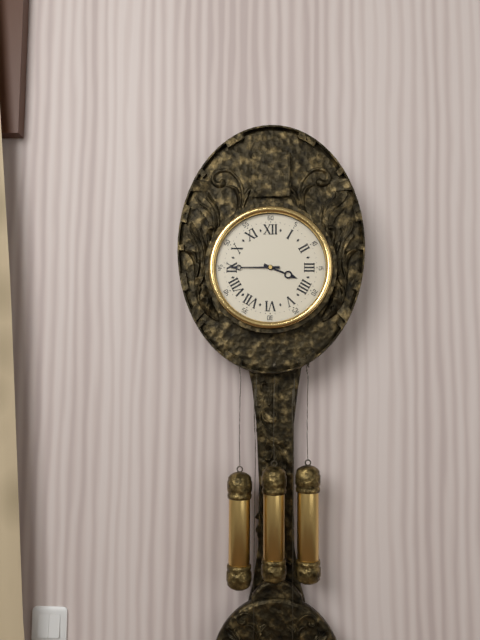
3 h 45 min
